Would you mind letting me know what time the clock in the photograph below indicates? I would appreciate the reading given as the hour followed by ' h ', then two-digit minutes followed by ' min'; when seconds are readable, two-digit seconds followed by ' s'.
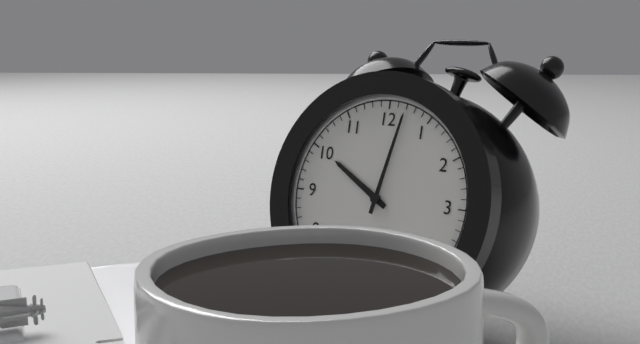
10 h 02 min
